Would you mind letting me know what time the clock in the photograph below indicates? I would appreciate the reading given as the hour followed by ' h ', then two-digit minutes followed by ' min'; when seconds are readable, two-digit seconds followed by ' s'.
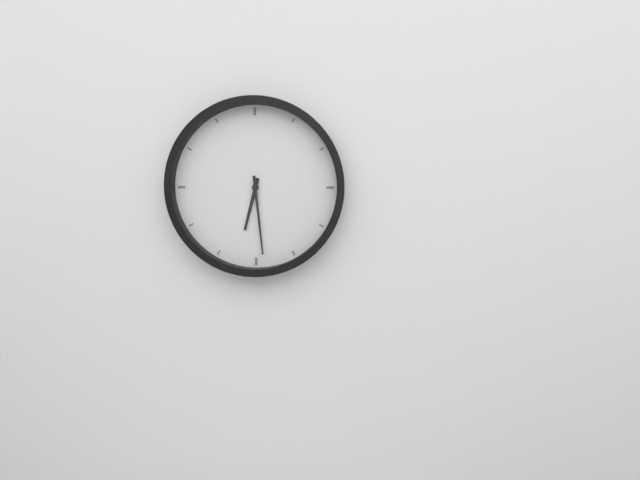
6 h 29 min
